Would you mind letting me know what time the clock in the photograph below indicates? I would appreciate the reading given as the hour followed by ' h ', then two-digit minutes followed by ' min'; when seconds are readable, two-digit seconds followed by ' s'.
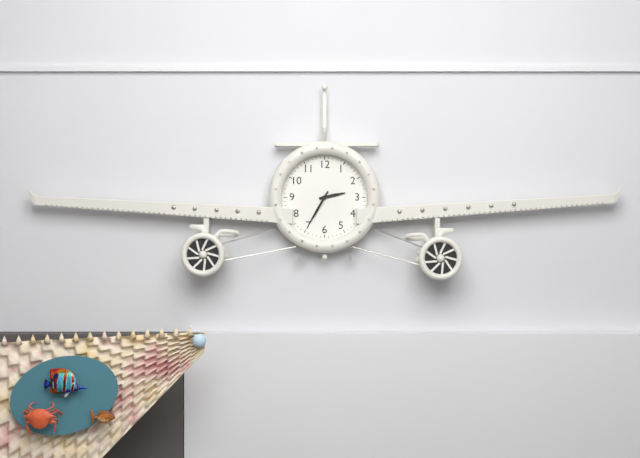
2 h 35 min
